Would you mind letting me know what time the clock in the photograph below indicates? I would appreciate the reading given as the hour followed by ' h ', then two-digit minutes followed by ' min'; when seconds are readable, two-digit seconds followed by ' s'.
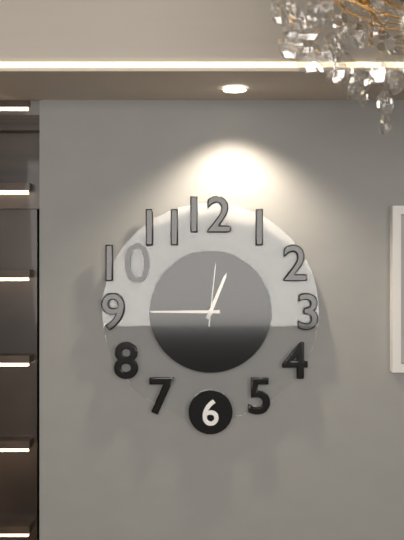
12 h 45 min 01 s
